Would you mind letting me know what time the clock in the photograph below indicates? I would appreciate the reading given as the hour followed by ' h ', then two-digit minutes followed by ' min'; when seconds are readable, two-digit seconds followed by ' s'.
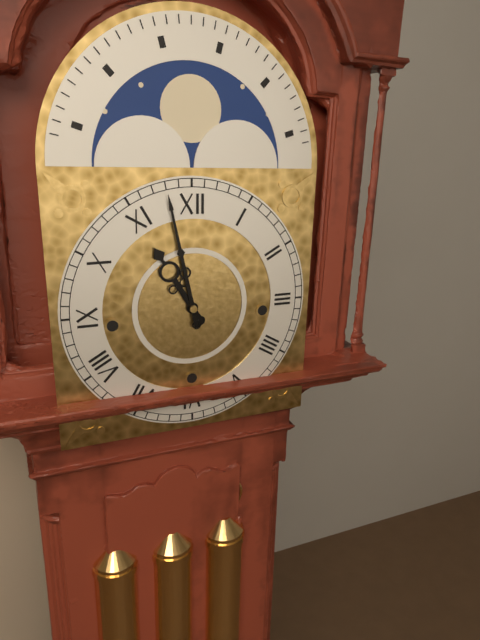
10 h 58 min
